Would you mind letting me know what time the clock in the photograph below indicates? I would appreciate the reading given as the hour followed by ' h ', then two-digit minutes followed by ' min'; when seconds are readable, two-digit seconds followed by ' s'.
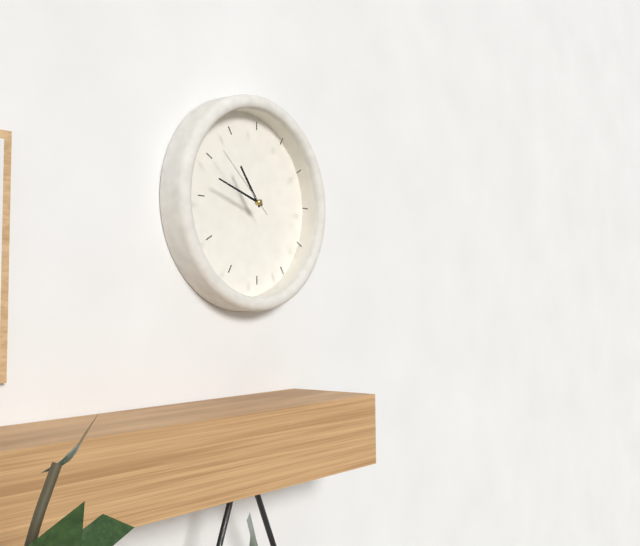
10 h 48 min 52 s
